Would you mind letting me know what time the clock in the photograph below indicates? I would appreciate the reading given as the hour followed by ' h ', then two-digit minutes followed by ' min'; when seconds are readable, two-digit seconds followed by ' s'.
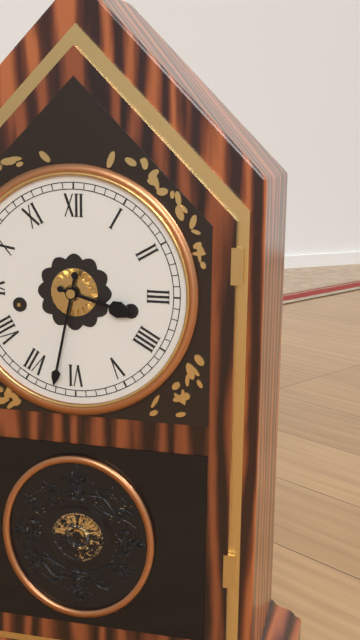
3 h 32 min
